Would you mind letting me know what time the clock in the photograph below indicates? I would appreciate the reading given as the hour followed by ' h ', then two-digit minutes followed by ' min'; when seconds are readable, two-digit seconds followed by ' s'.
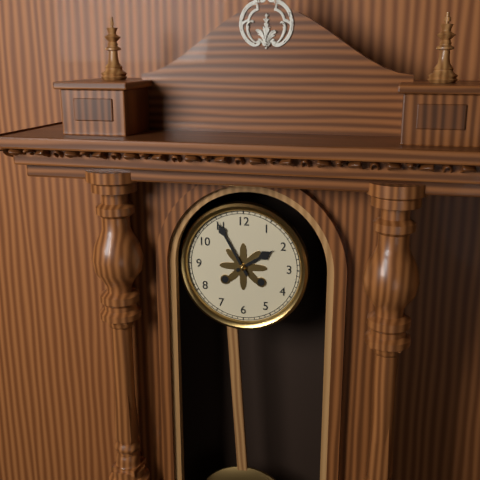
1 h 55 min
